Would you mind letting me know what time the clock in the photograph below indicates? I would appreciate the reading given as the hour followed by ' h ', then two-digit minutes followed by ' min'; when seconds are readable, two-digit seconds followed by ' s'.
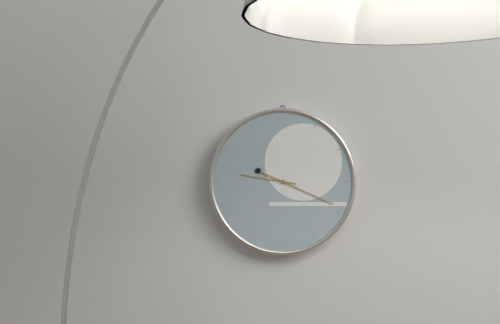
9 h 19 min
